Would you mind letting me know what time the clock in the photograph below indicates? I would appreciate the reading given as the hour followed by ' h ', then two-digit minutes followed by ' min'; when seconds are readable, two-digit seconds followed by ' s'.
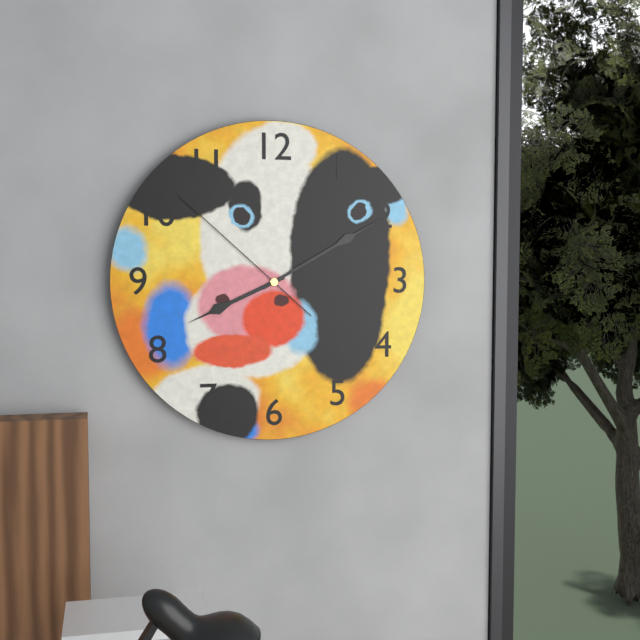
8 h 10 min 52 s
